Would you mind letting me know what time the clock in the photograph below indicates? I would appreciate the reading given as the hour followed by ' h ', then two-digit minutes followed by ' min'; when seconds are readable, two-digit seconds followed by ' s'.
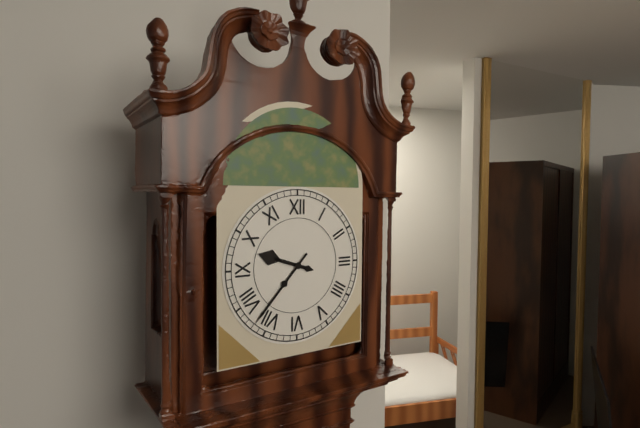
9 h 37 min
